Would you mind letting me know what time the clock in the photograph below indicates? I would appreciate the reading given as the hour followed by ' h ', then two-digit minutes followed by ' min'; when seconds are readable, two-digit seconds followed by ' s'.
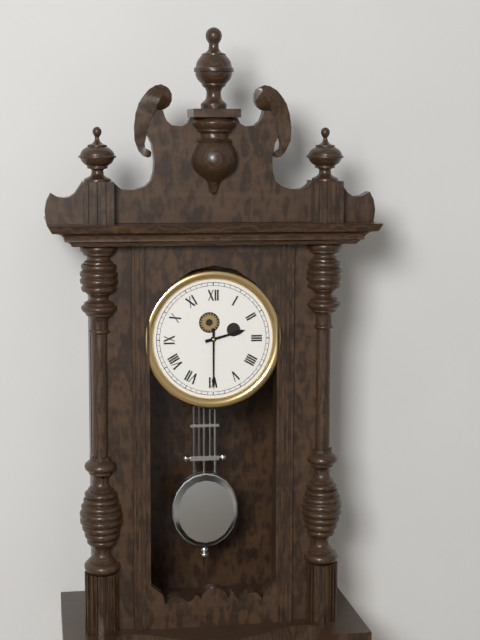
2 h 30 min
